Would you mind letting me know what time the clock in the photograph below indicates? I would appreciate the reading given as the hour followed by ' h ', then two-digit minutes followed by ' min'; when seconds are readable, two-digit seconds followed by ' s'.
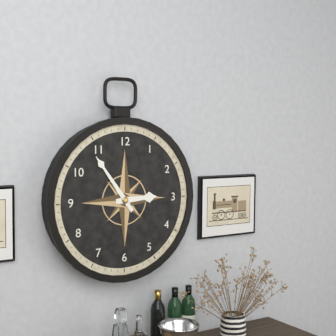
2 h 54 min
